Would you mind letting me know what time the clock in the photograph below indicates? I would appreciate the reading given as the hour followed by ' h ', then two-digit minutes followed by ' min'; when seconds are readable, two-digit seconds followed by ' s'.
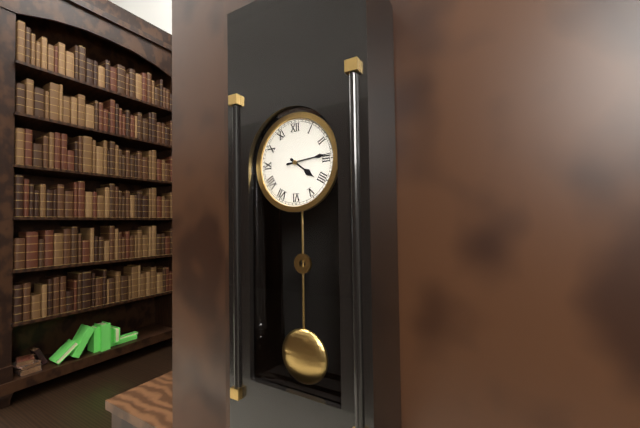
4 h 14 min
